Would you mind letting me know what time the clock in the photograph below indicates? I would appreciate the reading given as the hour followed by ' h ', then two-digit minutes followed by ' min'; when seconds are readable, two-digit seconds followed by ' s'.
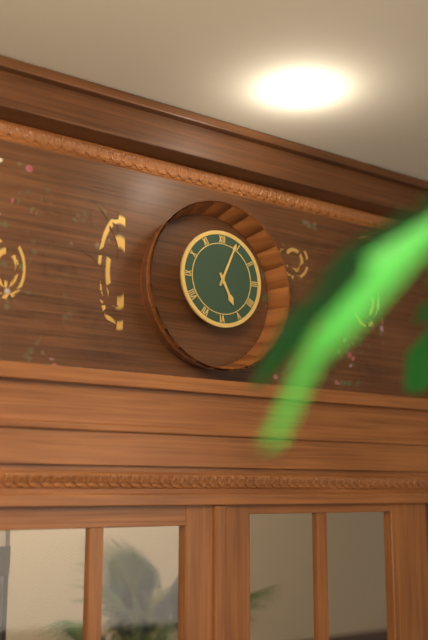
5 h 04 min
